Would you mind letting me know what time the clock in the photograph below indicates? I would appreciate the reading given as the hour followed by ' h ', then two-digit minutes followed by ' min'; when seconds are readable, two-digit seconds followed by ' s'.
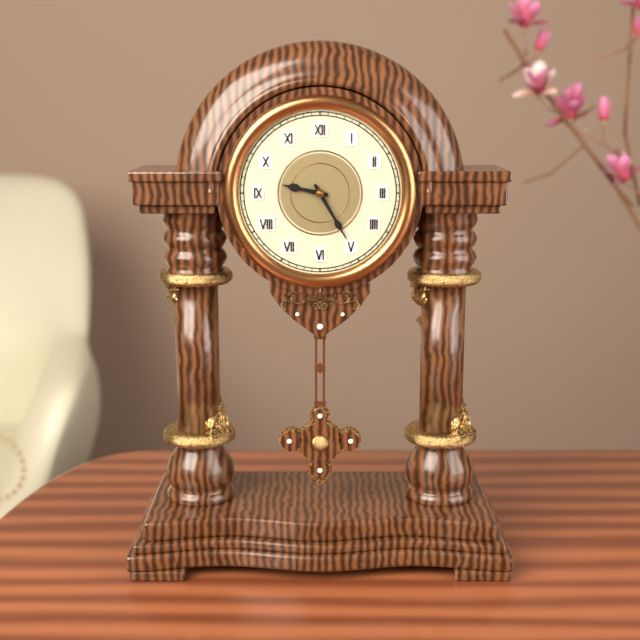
9 h 25 min
